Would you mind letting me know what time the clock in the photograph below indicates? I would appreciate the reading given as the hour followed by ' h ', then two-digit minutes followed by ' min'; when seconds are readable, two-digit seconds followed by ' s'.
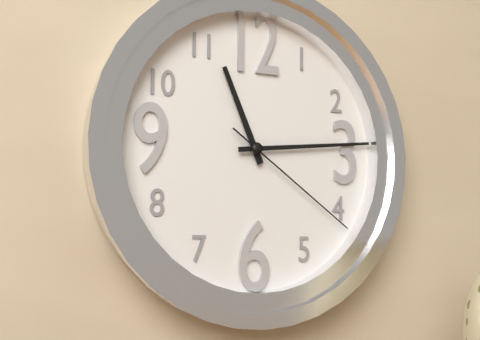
11 h 14 min 21 s
